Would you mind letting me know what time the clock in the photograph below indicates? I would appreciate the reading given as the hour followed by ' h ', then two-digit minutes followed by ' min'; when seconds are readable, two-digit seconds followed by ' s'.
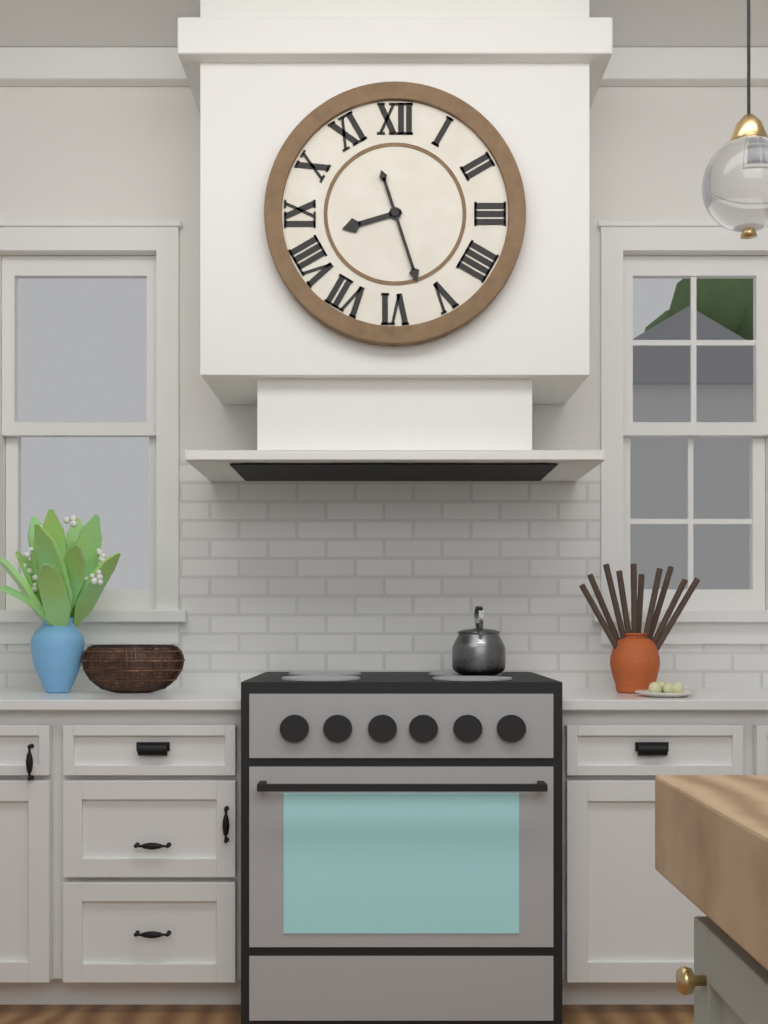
8 h 27 min
